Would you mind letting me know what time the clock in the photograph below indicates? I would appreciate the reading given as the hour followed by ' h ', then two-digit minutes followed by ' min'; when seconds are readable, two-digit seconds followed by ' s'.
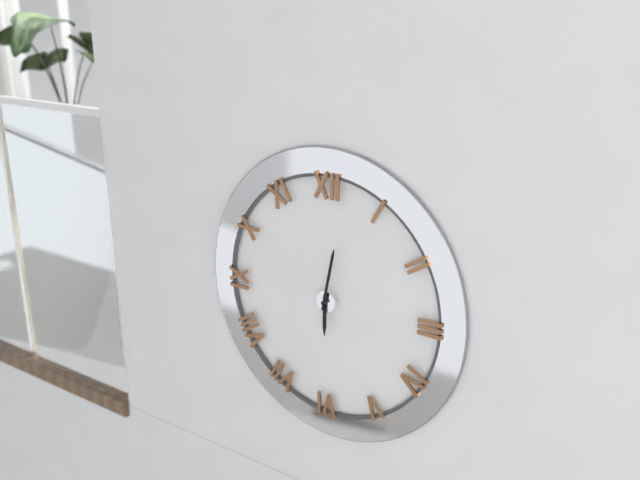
6 h 02 min
